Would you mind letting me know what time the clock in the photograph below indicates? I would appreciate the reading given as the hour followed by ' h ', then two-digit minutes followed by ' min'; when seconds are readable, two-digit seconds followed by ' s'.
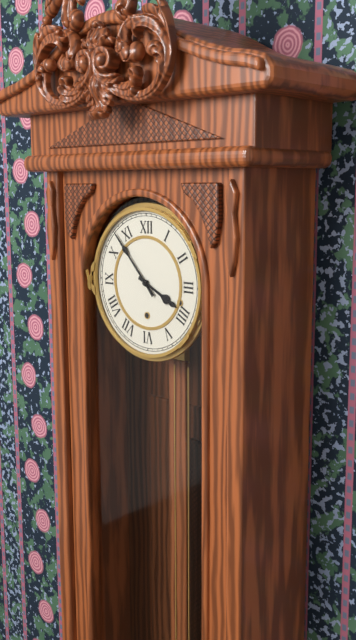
3 h 53 min
